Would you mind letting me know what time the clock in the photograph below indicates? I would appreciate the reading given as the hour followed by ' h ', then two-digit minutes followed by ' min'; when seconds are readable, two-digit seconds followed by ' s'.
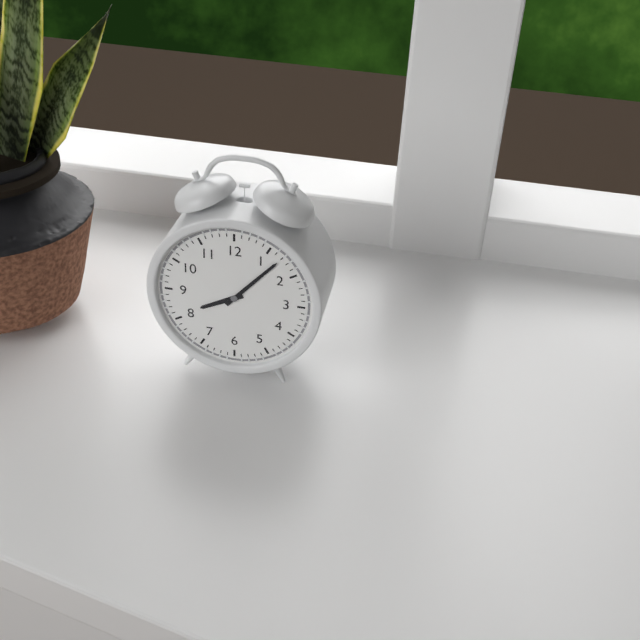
8 h 07 min
